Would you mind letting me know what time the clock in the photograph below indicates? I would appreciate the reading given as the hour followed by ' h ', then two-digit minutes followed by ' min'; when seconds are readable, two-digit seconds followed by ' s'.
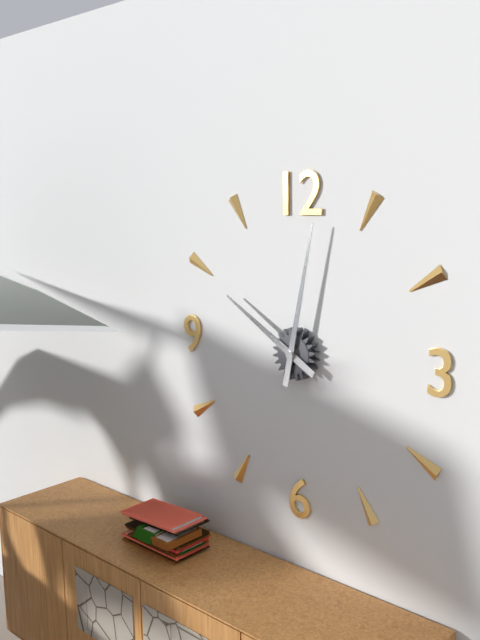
10 h 02 min
